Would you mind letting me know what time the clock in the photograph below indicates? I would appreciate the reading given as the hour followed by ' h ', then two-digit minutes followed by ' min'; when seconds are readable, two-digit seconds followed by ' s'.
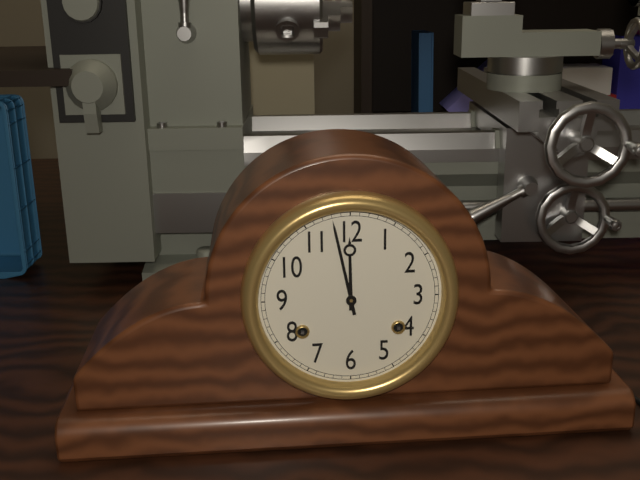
11 h 58 min
